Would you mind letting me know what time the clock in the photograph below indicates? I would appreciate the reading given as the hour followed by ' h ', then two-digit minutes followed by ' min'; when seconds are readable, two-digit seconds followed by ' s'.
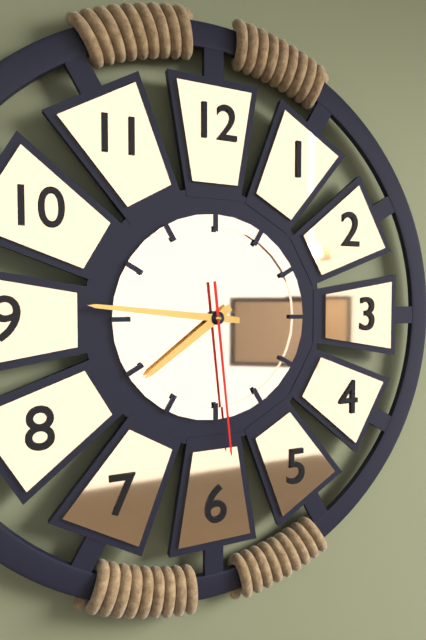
7 h 46 min 29 s
